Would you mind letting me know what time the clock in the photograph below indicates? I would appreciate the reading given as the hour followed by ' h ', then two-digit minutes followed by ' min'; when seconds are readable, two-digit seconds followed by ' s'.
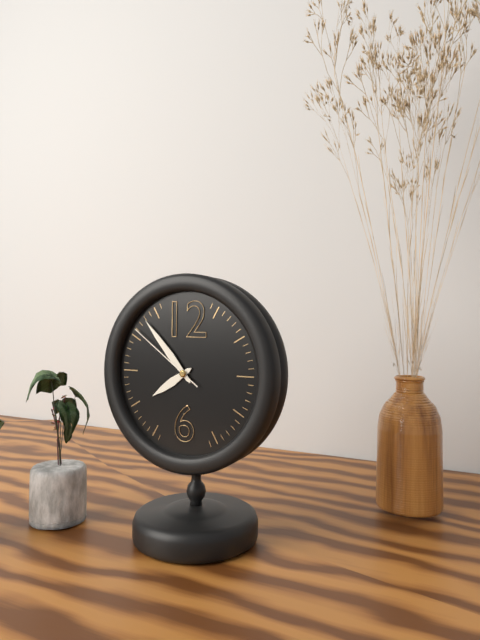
7 h 53 min 51 s
